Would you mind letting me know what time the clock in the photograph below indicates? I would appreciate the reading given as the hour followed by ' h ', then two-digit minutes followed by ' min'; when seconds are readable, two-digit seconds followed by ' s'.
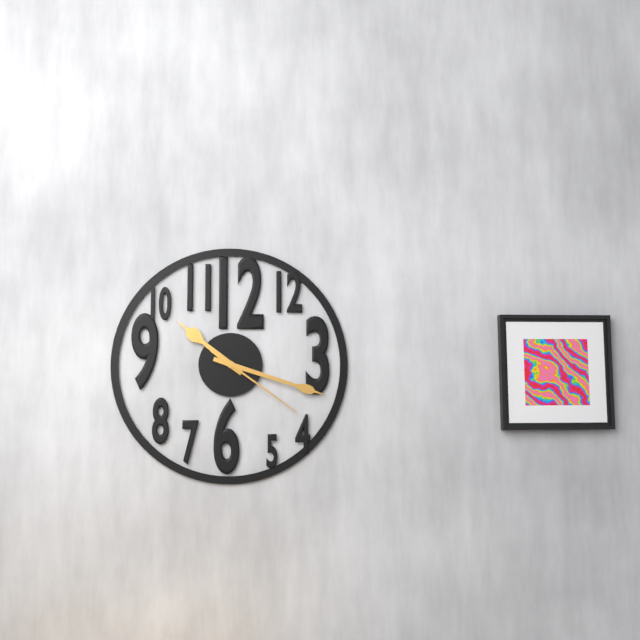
10 h 18 min 21 s
